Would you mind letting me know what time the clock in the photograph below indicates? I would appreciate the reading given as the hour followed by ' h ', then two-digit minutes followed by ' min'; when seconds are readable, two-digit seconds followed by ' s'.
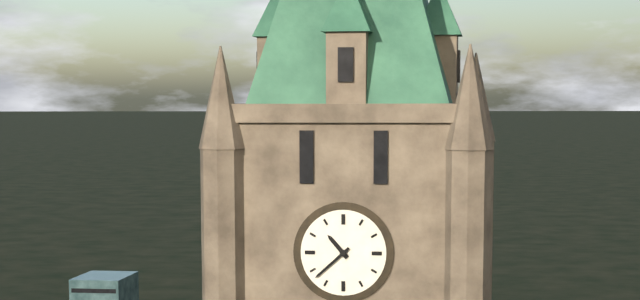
10 h 38 min
